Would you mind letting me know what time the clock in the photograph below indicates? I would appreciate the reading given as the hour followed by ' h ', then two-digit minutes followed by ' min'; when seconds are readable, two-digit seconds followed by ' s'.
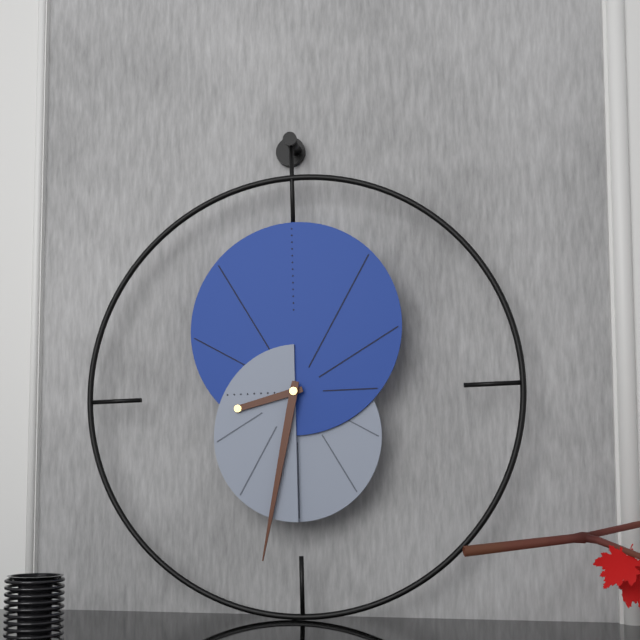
8 h 32 min
